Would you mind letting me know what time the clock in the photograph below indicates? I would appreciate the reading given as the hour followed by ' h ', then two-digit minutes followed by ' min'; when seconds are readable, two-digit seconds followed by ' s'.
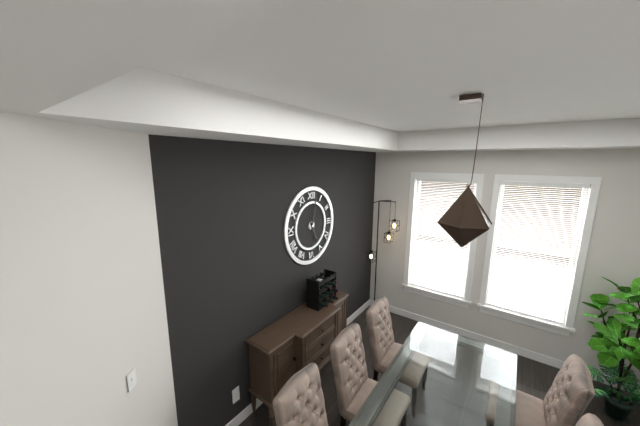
5 h 02 min
